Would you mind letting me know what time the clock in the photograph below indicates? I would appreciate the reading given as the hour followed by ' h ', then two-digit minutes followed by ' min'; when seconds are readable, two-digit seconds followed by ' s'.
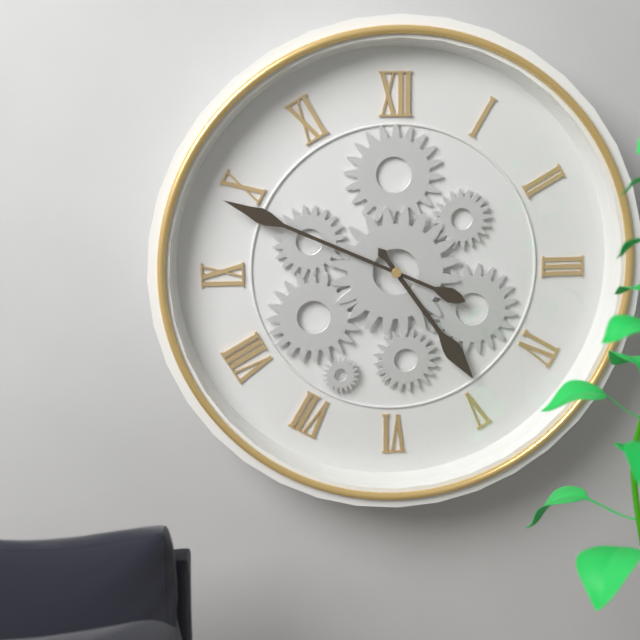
4 h 49 min
